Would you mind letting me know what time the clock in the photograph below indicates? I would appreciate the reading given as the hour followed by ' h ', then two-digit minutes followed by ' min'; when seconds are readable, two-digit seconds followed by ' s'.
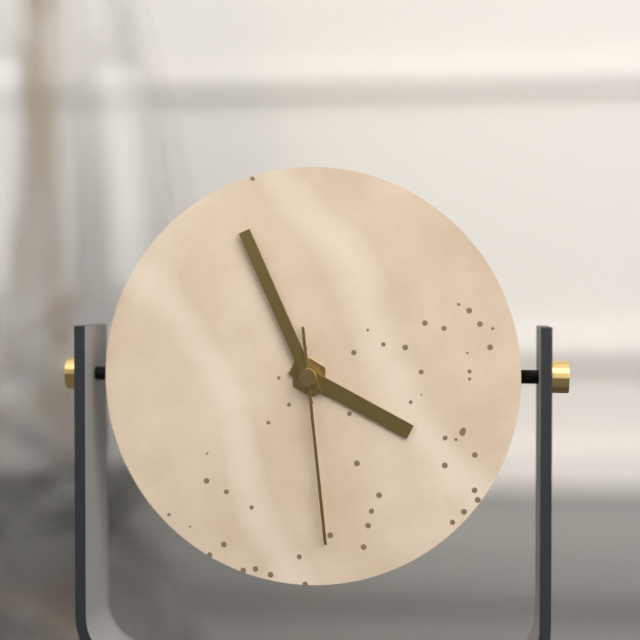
3 h 56 min 29 s
